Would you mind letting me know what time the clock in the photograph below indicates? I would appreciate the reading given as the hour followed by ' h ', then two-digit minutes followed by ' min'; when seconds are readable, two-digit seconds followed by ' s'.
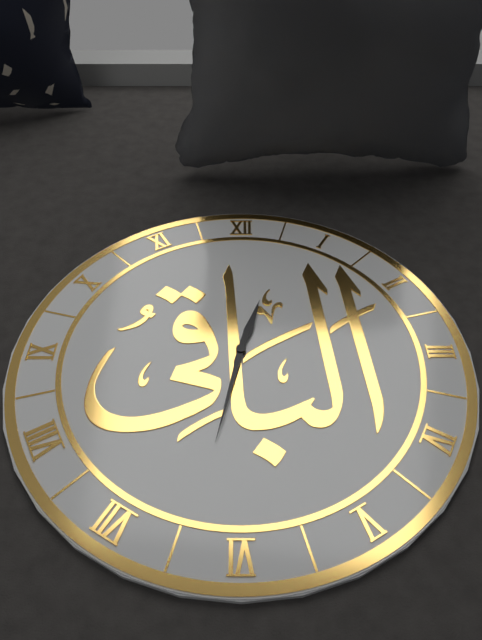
12 h 32 min
